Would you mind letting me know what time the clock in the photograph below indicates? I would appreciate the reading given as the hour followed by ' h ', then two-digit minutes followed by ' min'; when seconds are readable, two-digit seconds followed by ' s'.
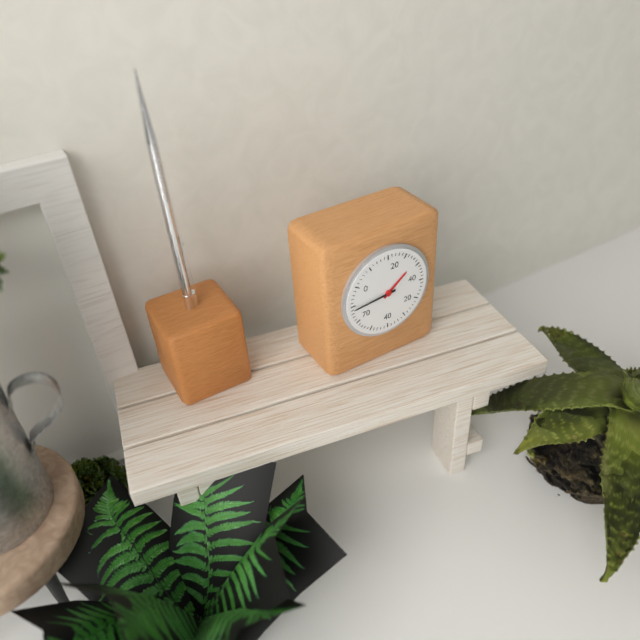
1 h 44 min
